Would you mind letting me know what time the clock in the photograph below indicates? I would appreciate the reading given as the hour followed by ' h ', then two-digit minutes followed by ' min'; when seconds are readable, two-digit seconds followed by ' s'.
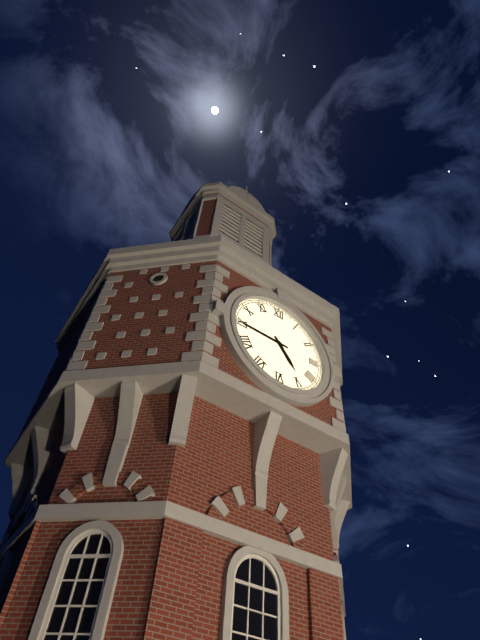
4 h 45 min
